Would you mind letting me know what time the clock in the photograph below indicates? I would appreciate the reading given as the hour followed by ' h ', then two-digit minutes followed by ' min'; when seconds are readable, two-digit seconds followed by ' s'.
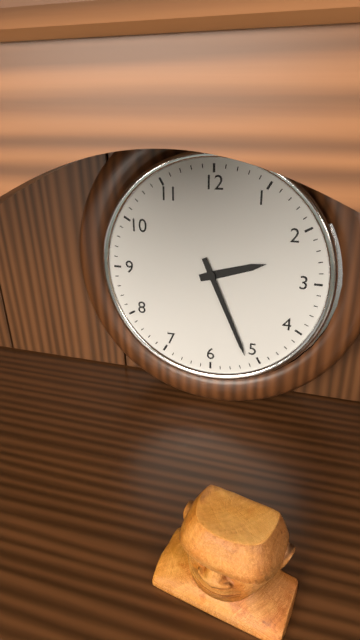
2 h 26 min
